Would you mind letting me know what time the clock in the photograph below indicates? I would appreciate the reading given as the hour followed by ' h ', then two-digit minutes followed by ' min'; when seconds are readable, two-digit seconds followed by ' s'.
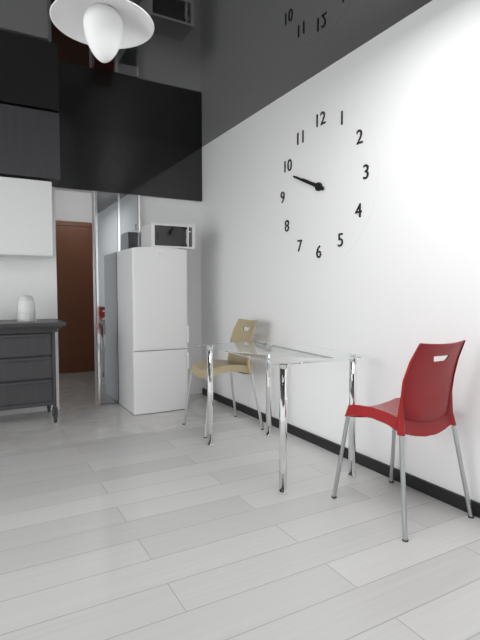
9 h 49 min
